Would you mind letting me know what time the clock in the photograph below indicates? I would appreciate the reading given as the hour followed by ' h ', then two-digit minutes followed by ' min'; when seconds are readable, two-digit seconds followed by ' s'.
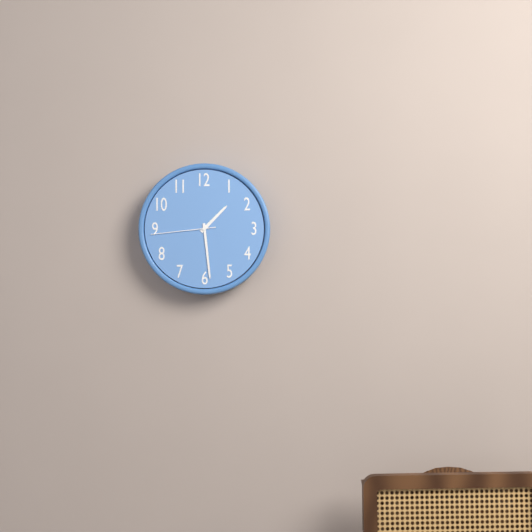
1 h 29 min 44 s
